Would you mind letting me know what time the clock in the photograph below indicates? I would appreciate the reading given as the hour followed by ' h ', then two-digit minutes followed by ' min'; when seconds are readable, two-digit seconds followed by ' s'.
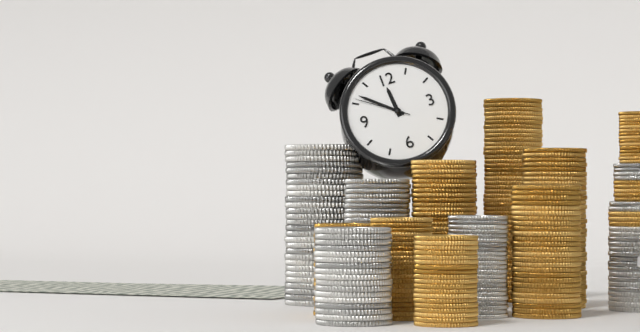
11 h 52 min 51 s
